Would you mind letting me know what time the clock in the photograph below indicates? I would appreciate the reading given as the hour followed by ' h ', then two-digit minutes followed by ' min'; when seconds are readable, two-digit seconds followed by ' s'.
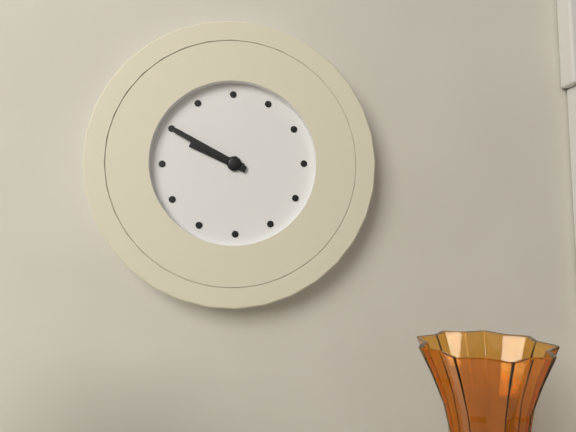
9 h 50 min
